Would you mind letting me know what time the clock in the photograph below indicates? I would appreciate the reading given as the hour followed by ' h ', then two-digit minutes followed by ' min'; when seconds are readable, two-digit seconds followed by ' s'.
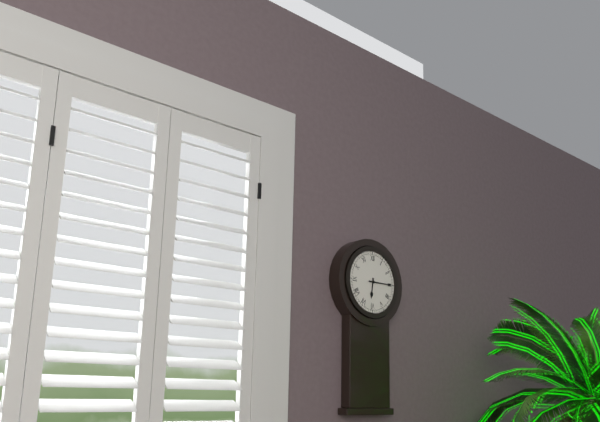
6 h 15 min
